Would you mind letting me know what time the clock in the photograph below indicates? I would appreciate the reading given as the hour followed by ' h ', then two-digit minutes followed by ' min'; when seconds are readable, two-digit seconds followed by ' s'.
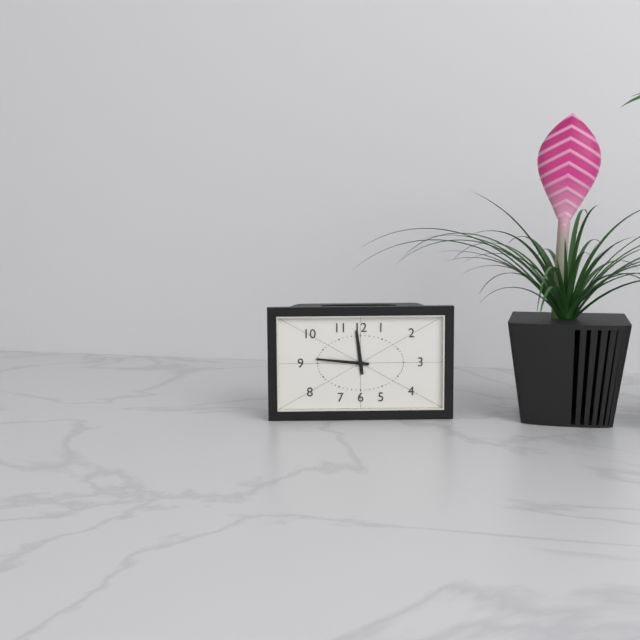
11 h 46 min
